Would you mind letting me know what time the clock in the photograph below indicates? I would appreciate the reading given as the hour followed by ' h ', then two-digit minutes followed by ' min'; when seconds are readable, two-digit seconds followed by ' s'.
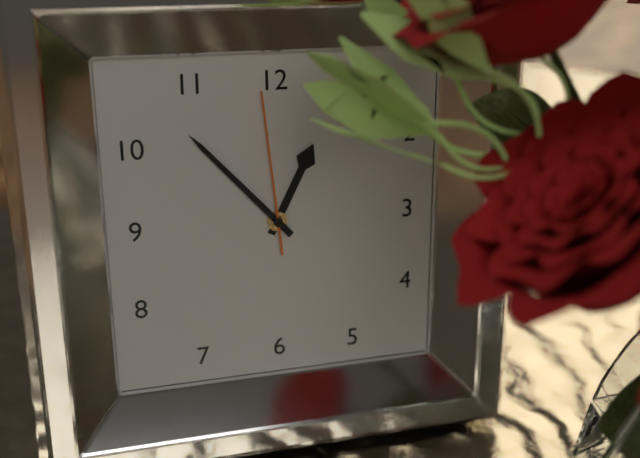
12 h 53 min 59 s
